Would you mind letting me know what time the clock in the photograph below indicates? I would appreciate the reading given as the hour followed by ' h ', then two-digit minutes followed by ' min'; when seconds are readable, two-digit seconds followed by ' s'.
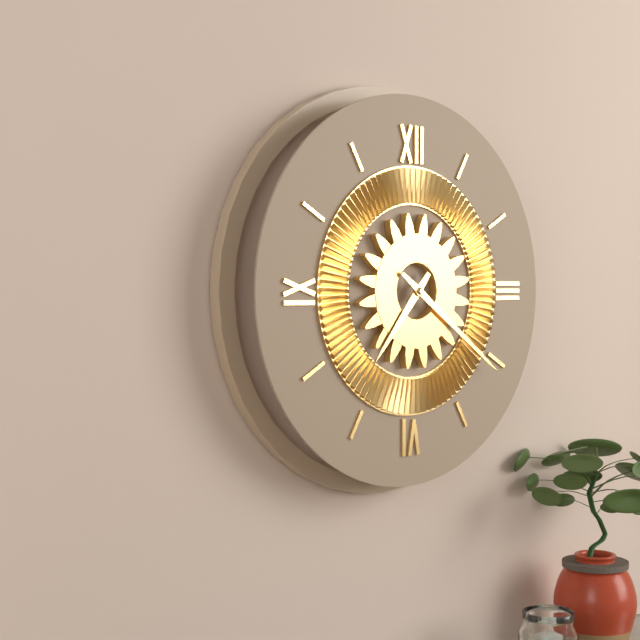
7 h 21 min
